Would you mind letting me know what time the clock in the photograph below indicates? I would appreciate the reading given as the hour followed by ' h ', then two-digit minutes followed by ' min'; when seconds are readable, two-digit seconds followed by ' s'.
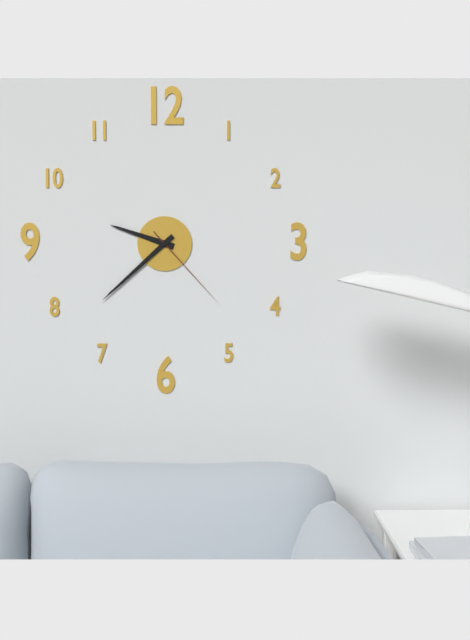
9 h 38 min 23 s
